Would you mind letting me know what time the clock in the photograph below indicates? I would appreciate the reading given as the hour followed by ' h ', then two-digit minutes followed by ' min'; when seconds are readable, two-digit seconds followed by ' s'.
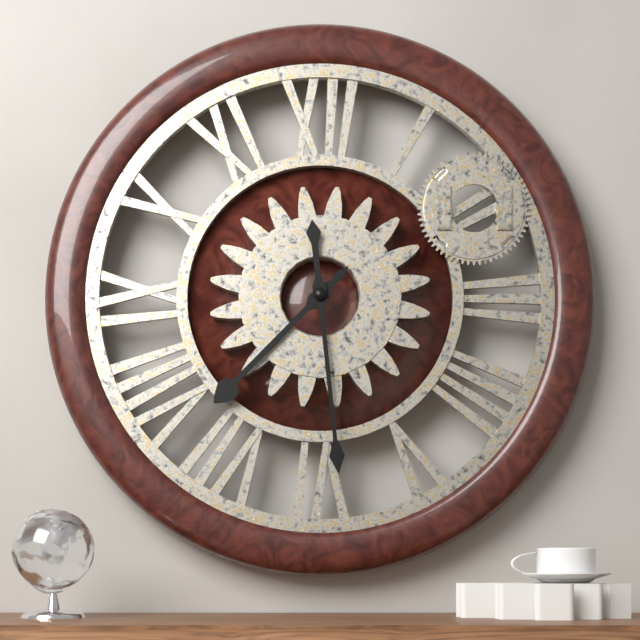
7 h 29 min
